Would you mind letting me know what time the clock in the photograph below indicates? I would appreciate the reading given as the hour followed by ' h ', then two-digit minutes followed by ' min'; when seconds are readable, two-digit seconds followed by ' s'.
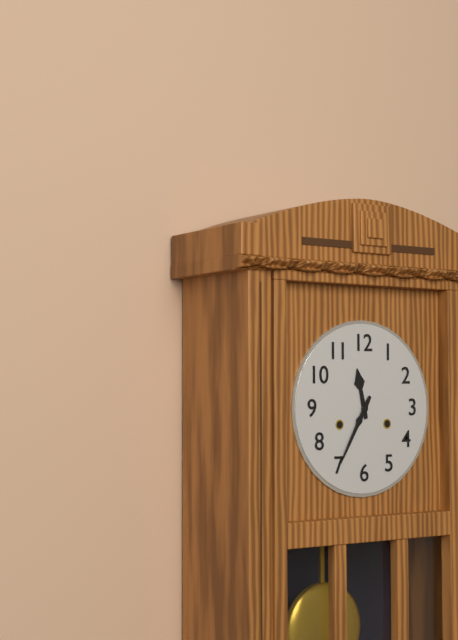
11 h 35 min
